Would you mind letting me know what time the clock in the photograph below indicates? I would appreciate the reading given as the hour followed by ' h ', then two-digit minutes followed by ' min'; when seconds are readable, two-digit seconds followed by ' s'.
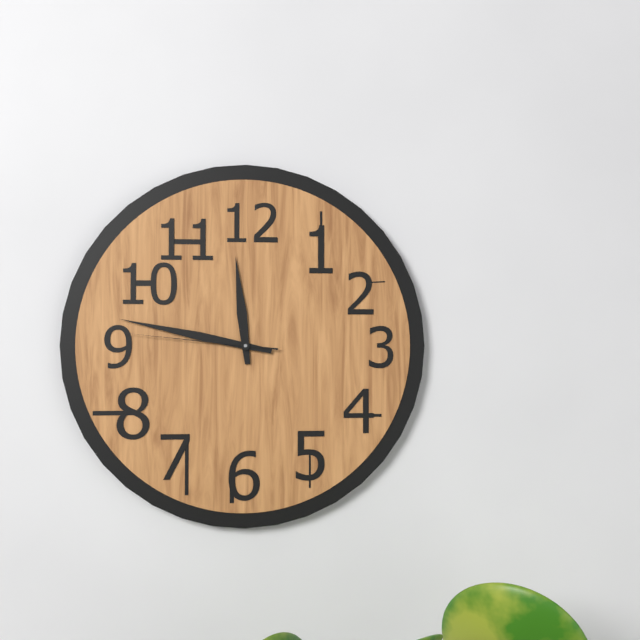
11 h 47 min 46 s
